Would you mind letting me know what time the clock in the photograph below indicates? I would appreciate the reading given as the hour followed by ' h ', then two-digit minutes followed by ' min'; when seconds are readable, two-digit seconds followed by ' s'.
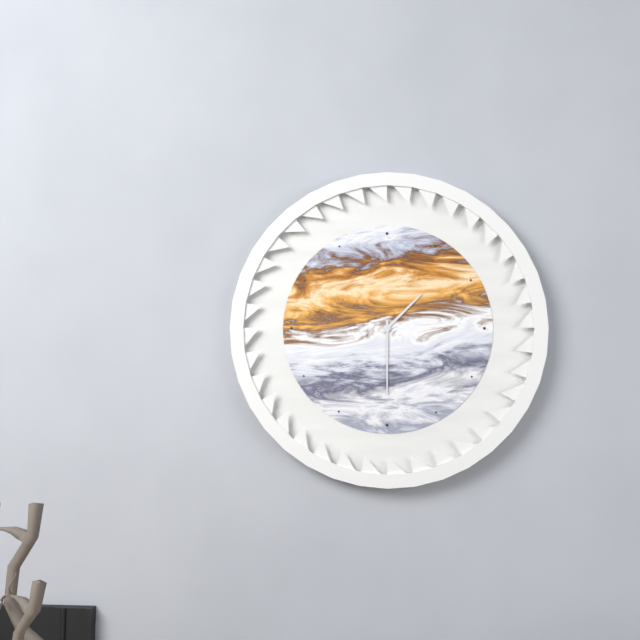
1 h 30 min
